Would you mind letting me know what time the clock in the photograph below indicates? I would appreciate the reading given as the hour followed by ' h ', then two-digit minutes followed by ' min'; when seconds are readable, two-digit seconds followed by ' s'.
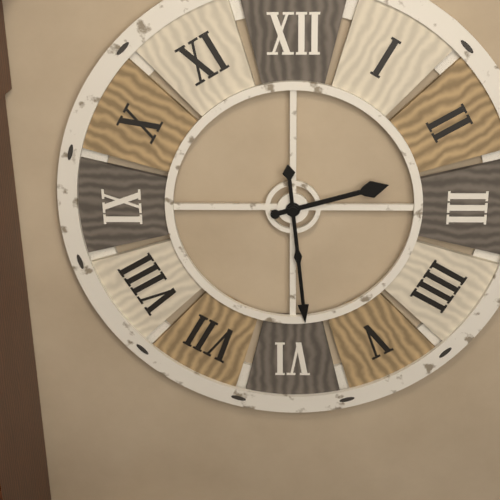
2 h 29 min
